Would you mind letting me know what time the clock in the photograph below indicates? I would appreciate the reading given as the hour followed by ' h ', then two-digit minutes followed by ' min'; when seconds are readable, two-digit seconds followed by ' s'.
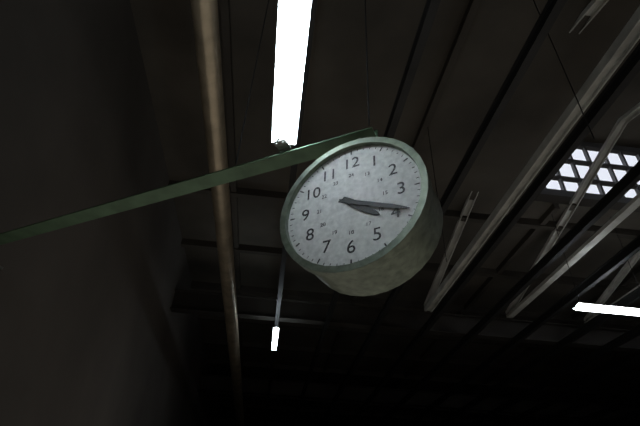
4 h 19 min
